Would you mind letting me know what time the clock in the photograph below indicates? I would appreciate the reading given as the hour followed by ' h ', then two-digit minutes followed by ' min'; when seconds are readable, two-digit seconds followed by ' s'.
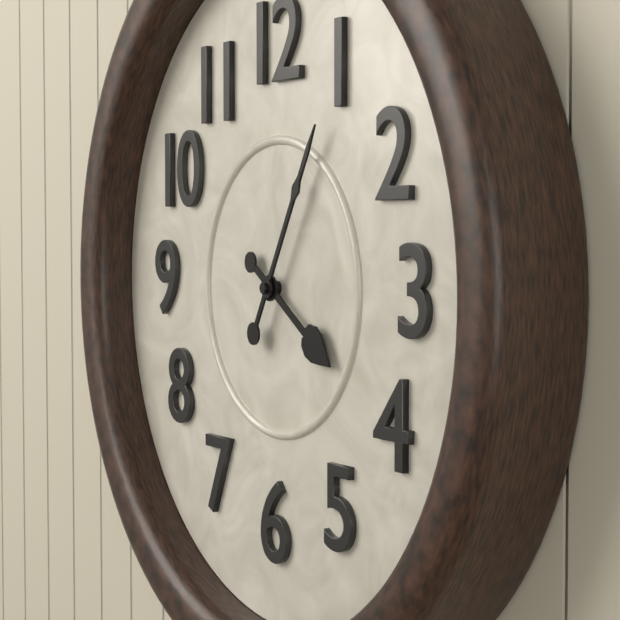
4 h 05 min
